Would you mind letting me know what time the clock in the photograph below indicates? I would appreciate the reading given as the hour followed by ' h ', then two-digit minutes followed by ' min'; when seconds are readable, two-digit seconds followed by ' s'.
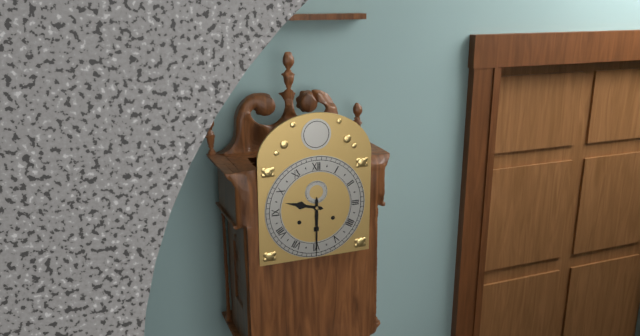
9 h 30 min
